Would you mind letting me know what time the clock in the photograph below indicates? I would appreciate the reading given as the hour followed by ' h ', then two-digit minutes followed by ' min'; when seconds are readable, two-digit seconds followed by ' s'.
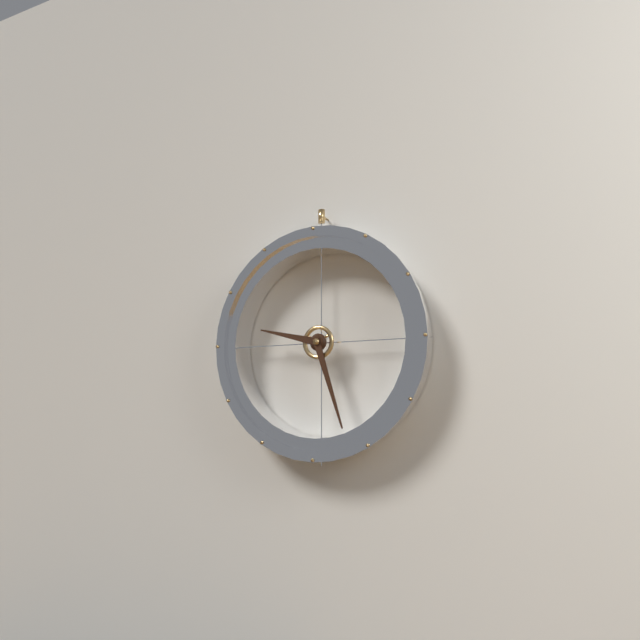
9 h 27 min
